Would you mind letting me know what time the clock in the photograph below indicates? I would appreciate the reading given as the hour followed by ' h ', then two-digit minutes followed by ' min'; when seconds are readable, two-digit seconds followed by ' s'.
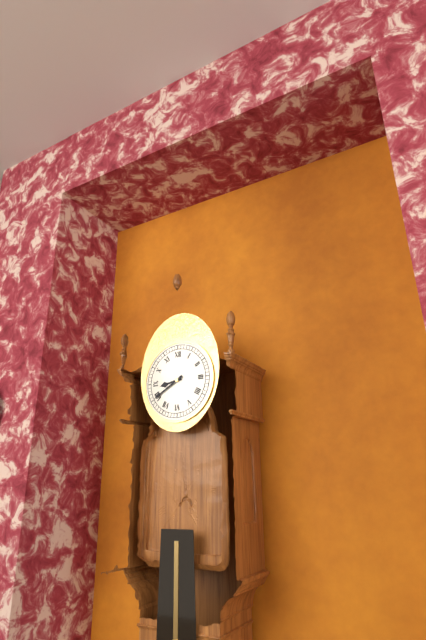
8 h 40 min
